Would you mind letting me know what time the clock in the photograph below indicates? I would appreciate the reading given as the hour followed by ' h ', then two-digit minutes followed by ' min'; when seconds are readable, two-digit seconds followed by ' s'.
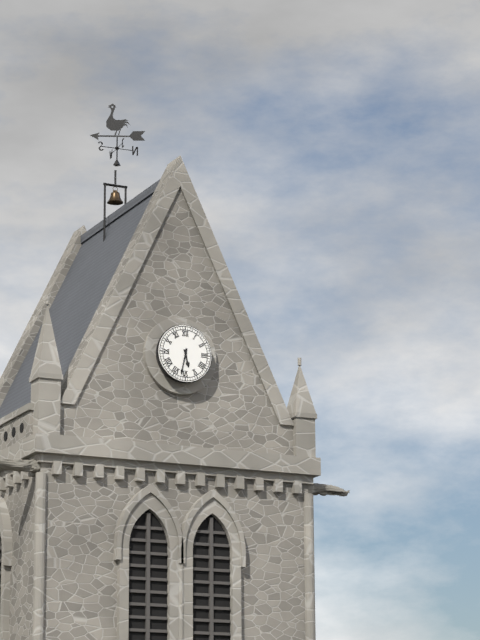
5 h 32 min
